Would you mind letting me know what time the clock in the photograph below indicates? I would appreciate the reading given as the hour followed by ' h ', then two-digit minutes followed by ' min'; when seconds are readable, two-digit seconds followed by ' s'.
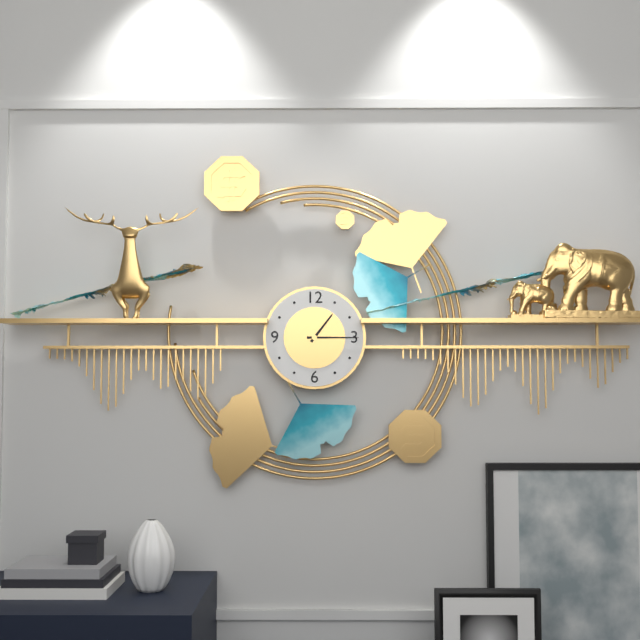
1 h 15 min
